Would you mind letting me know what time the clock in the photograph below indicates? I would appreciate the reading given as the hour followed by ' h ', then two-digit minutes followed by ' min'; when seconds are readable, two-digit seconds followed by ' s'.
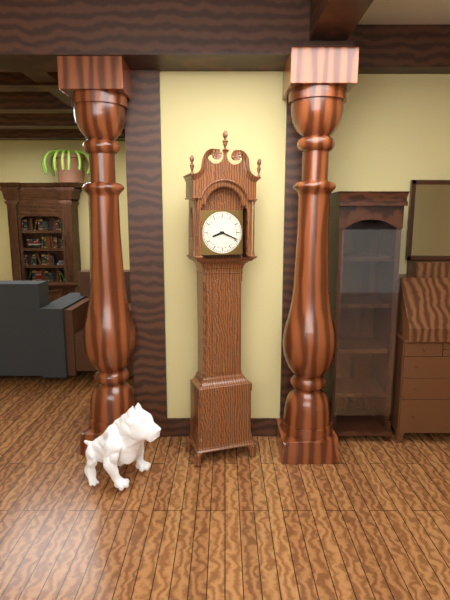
8 h 19 min
